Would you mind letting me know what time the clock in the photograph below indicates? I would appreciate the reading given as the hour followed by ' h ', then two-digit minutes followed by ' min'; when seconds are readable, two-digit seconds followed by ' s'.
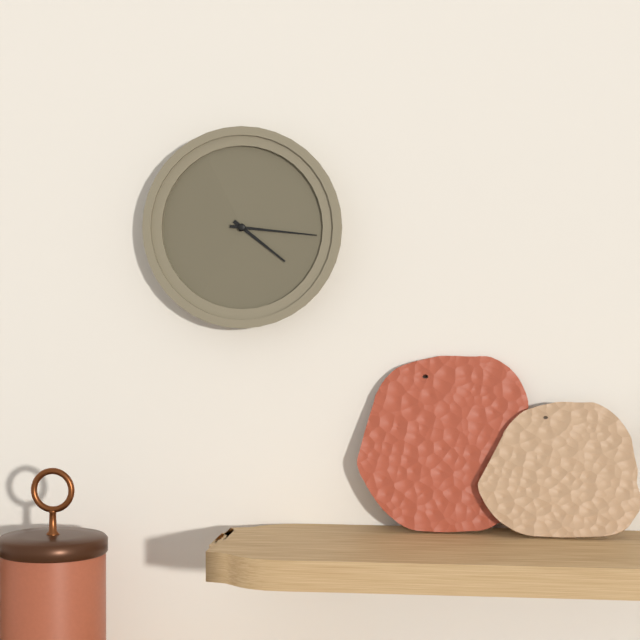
4 h 16 min
